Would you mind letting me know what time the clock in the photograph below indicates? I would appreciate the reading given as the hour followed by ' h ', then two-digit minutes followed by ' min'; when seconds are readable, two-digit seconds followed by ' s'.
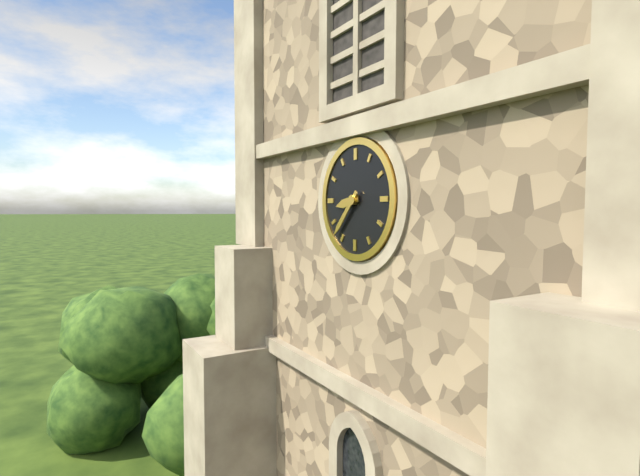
8 h 37 min
